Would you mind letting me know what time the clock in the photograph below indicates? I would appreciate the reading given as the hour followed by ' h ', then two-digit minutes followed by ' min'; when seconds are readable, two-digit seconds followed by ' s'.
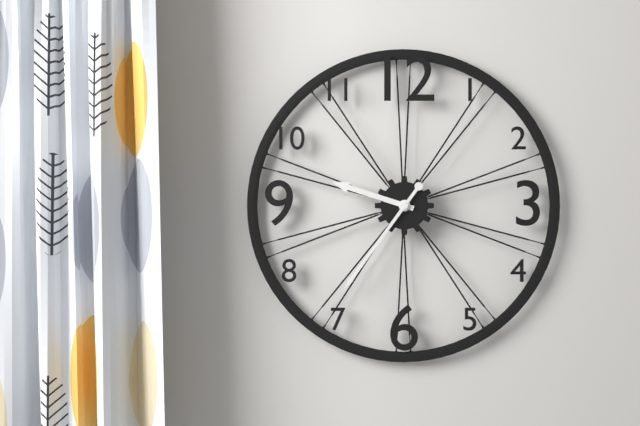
9 h 36 min
